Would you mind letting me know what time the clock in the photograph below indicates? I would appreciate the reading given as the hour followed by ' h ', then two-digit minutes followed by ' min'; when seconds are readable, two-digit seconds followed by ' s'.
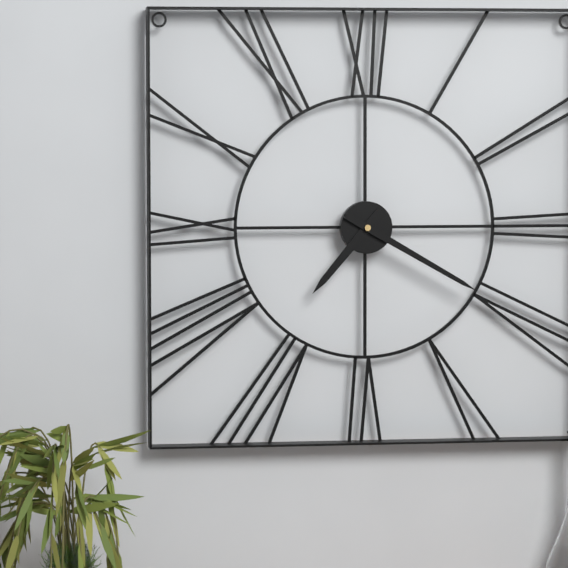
7 h 20 min
